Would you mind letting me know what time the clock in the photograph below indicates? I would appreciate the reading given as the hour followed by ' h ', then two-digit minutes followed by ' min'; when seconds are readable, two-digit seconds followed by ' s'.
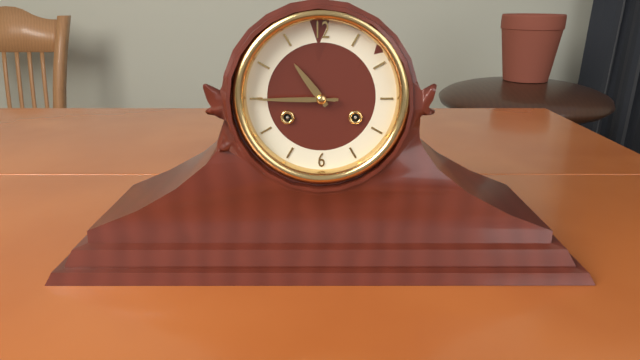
10 h 45 min
